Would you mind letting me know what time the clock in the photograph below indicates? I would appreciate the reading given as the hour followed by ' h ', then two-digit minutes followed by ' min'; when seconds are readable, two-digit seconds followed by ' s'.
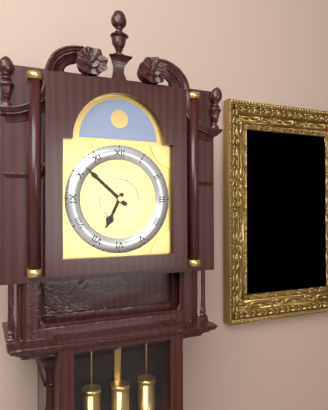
6 h 52 min
